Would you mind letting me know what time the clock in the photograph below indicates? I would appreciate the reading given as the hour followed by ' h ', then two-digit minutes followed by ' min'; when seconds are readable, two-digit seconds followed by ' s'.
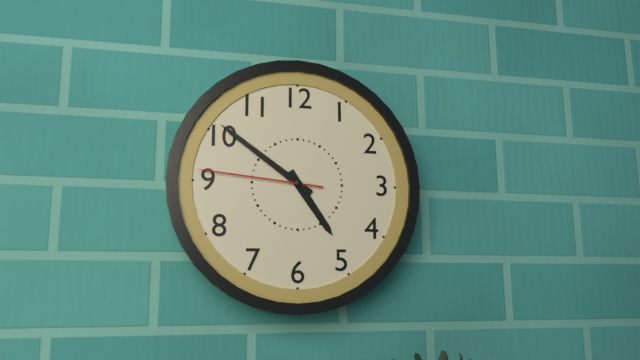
4 h 51 min 46 s
